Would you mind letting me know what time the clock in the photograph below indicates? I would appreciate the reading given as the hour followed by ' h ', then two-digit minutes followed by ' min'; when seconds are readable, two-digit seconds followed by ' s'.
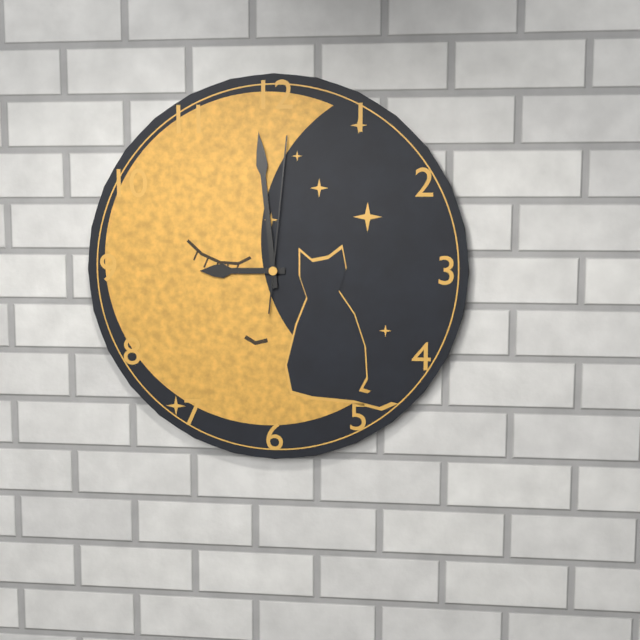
8 h 59 min 01 s
